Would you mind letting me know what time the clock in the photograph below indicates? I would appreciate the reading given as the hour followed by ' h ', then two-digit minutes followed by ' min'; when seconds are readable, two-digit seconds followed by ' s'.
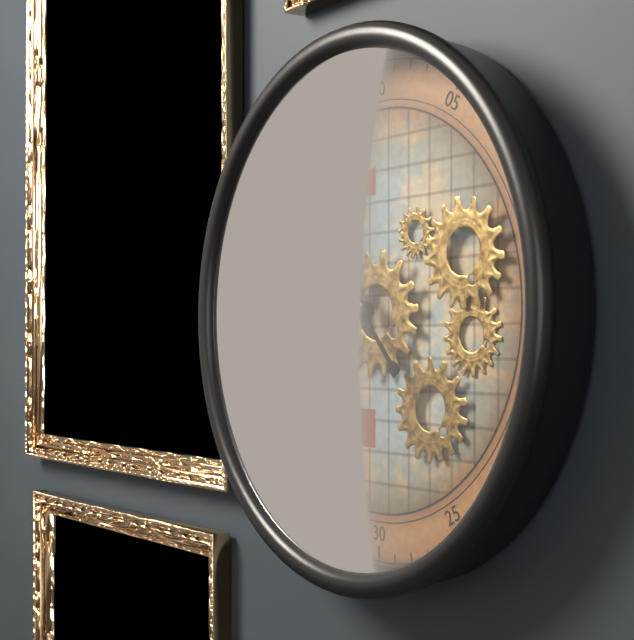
10 h 53 min
